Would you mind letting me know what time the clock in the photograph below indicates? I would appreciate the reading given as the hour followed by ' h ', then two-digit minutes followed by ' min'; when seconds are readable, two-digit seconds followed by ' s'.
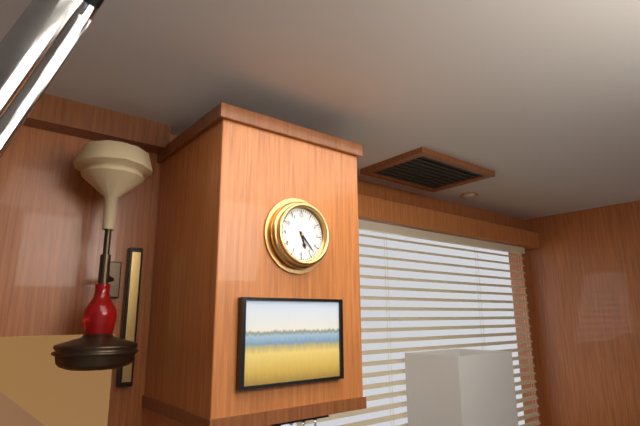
5 h 23 min
